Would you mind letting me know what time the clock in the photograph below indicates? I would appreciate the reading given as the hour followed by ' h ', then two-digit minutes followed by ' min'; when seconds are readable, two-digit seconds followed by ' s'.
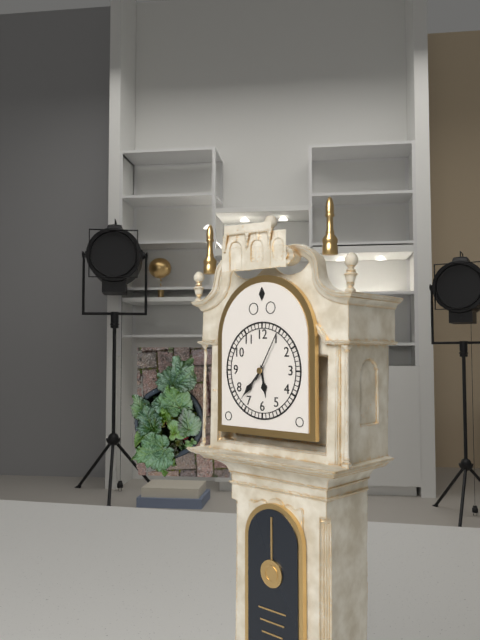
5 h 37 min
